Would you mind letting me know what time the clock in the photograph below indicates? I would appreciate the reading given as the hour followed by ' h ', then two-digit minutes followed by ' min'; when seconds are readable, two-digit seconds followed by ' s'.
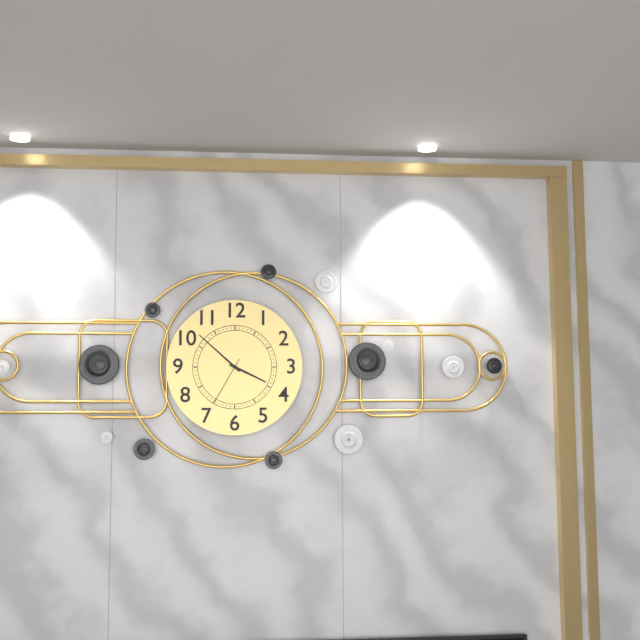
3 h 52 min 35 s
